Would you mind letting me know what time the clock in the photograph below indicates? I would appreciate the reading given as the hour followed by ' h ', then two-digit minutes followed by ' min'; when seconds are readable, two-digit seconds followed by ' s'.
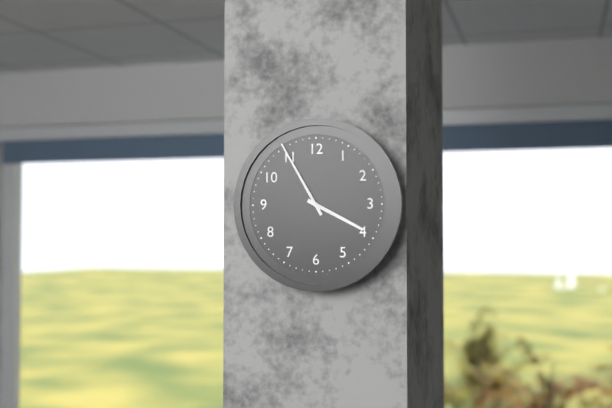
3 h 55 min
